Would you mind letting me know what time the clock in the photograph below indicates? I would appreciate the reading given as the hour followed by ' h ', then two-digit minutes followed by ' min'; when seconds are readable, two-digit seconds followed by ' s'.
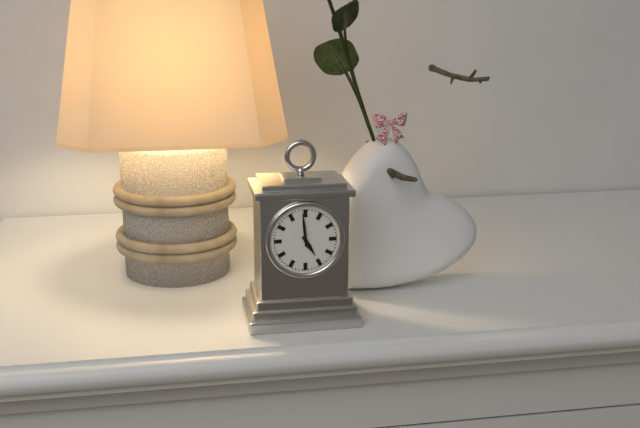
4 h 59 min
